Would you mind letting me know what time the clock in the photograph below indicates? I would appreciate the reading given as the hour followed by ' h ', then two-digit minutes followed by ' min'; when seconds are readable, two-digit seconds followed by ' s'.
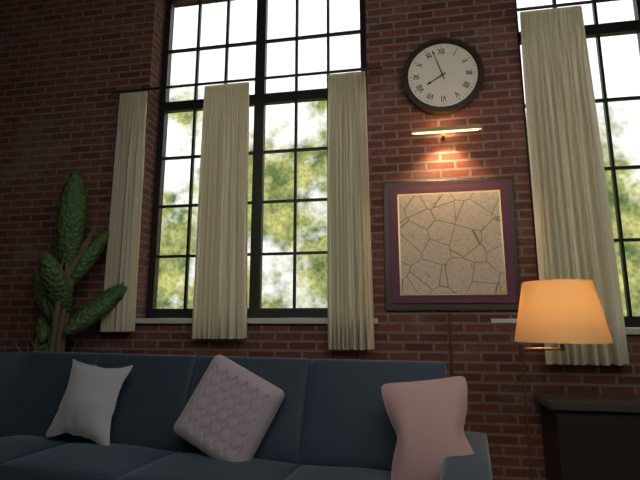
7 h 57 min
